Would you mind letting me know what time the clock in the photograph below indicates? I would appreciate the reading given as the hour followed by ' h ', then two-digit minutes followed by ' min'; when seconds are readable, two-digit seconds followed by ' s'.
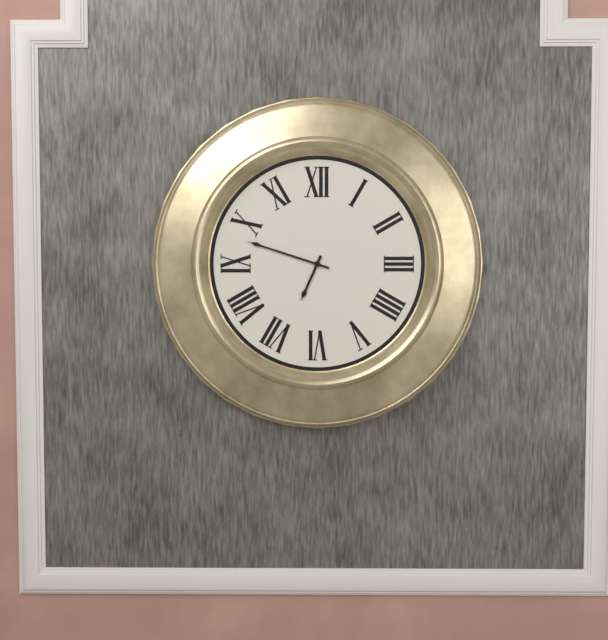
6 h 48 min
